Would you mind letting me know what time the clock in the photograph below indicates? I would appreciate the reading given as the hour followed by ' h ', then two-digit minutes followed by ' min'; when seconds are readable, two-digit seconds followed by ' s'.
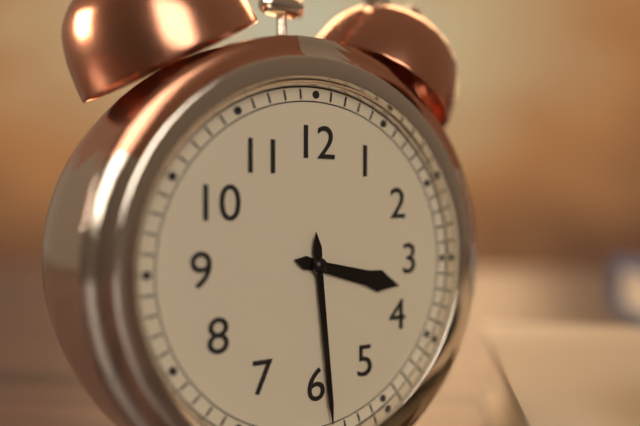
3 h 29 min
